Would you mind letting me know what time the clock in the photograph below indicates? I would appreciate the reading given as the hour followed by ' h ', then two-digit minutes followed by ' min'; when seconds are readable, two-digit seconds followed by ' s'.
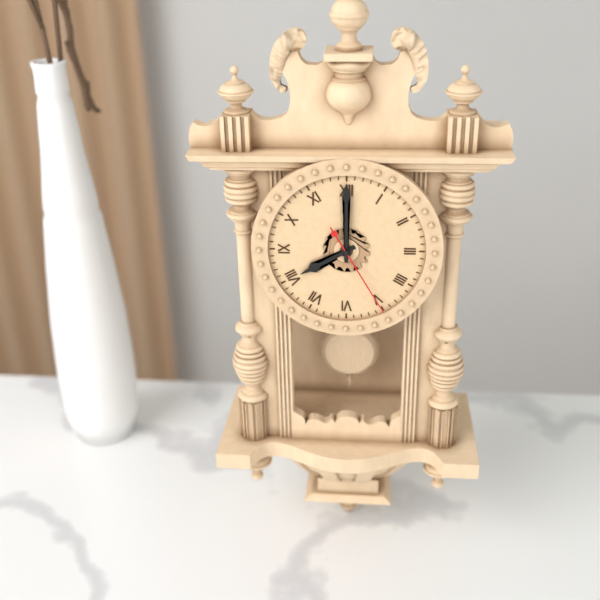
8 h 00 min 25 s
